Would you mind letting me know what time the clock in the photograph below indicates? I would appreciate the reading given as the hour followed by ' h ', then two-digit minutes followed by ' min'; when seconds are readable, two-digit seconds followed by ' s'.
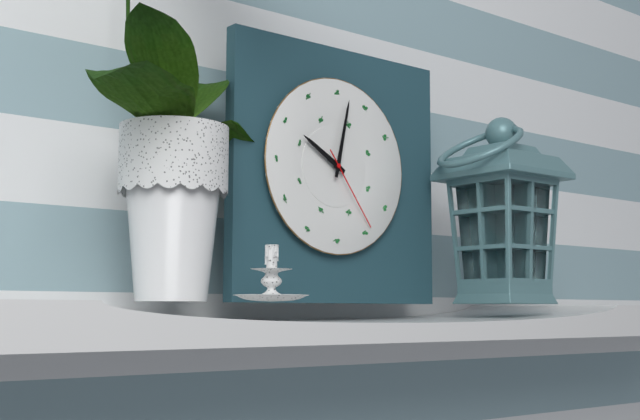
10 h 02 min 24 s
